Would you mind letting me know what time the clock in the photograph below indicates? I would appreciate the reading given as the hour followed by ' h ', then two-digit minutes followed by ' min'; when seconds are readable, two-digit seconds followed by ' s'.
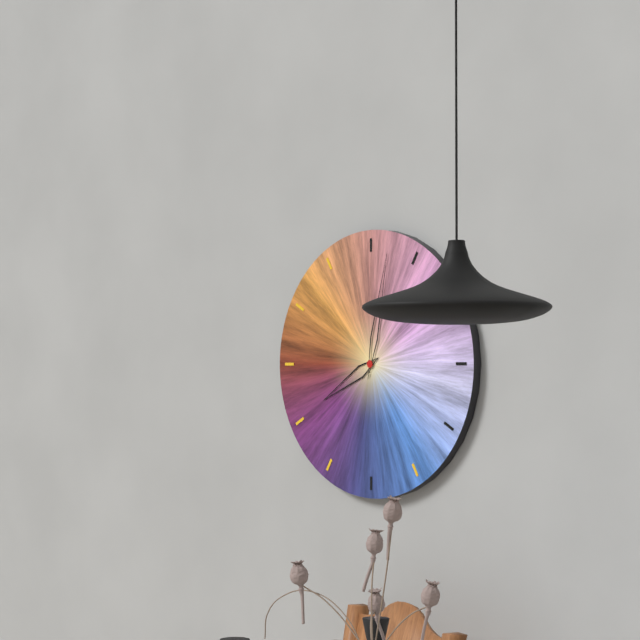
8 h 02 min
